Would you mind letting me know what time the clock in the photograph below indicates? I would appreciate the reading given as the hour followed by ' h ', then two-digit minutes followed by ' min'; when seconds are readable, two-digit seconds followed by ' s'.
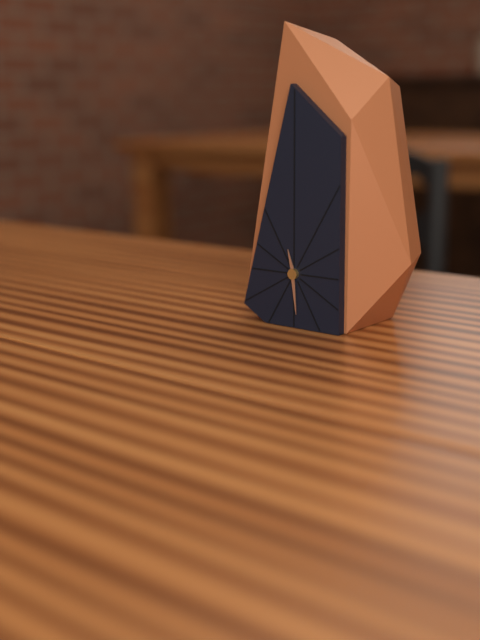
11 h 29 min
